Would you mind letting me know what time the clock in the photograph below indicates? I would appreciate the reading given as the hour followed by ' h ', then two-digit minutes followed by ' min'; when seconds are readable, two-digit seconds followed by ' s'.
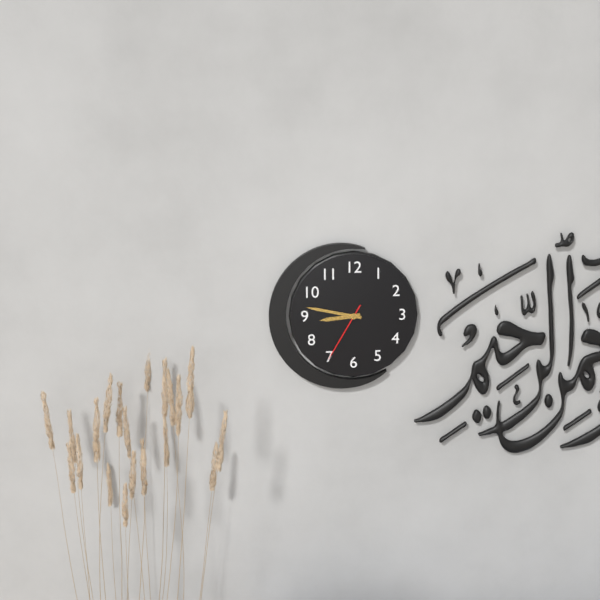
8 h 47 min 35 s
